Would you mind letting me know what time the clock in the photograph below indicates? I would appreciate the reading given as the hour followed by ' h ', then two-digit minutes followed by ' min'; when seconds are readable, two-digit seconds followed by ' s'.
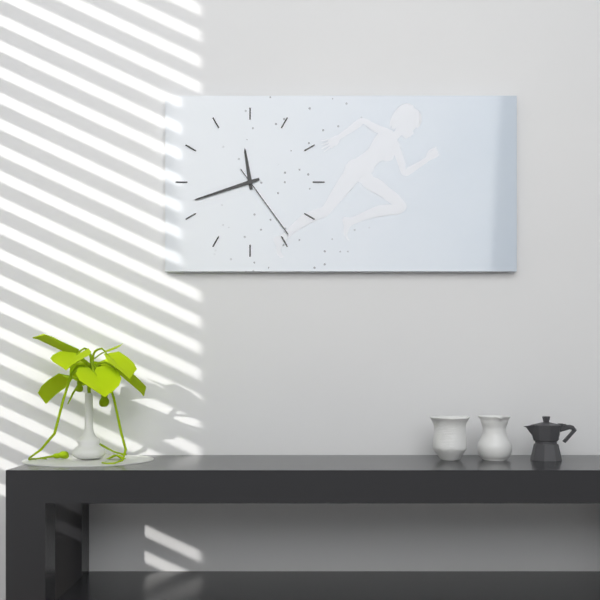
11 h 42 min 24 s
